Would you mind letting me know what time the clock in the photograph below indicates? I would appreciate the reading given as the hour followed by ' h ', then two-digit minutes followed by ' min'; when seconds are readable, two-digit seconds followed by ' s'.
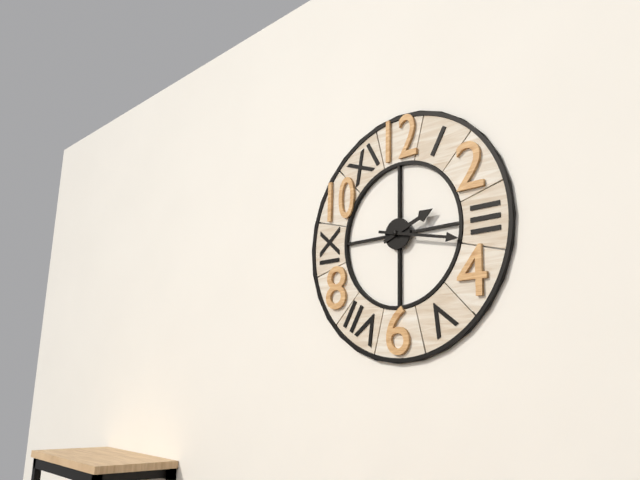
2 h 17 min
